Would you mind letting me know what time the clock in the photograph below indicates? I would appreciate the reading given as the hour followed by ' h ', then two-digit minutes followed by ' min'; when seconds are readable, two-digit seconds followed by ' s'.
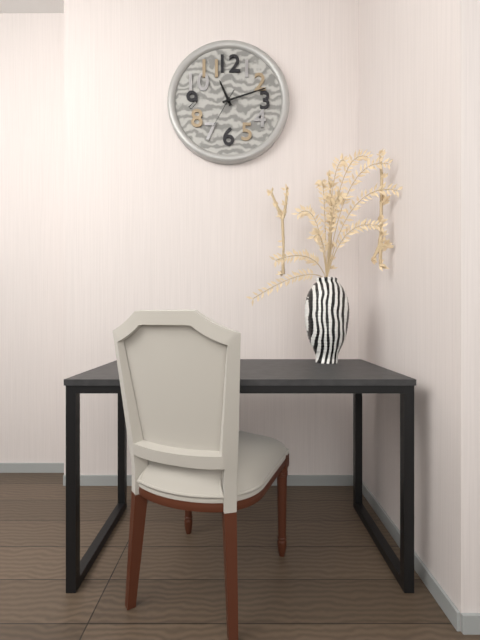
11 h 12 min
